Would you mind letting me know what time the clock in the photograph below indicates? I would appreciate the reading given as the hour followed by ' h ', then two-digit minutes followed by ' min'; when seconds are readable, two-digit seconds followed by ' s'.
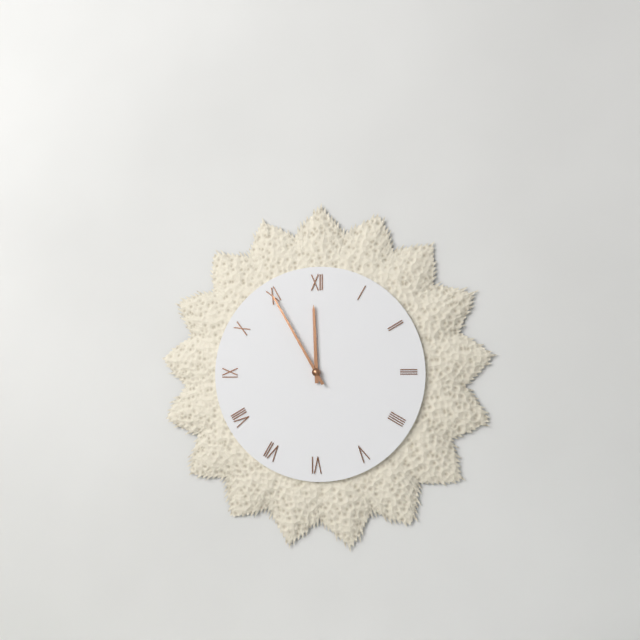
11 h 55 min
